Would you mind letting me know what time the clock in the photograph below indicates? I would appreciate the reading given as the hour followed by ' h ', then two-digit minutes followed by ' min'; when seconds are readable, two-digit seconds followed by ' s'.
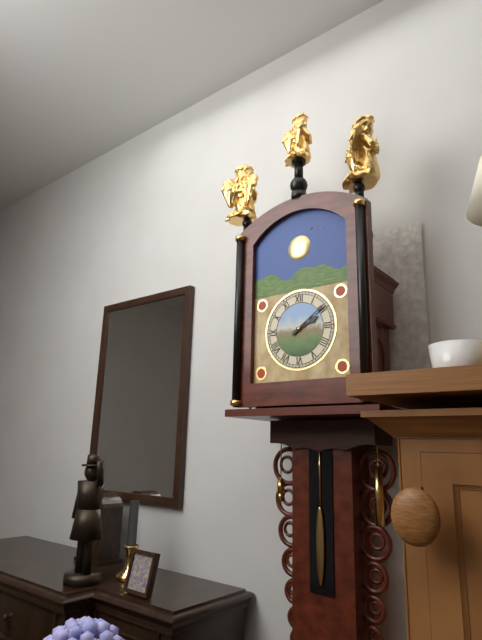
2 h 09 min
